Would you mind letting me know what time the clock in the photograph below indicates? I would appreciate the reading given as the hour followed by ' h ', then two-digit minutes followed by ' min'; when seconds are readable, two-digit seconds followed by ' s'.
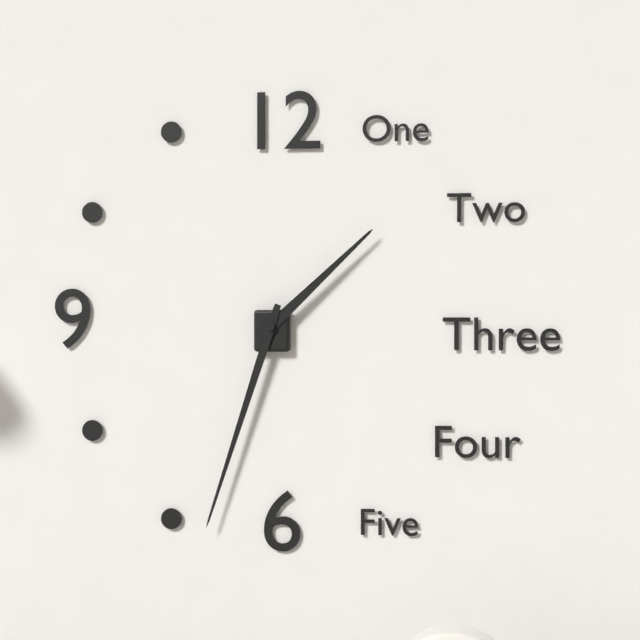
1 h 33 min
